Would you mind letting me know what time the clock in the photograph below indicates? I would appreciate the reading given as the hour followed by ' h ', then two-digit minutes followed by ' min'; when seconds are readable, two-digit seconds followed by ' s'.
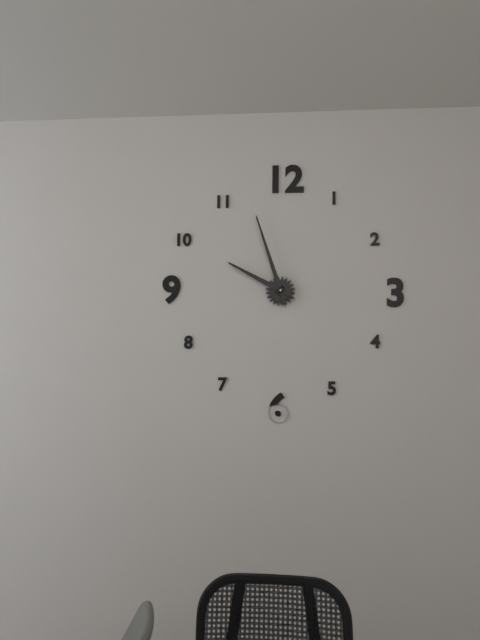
9 h 57 min
